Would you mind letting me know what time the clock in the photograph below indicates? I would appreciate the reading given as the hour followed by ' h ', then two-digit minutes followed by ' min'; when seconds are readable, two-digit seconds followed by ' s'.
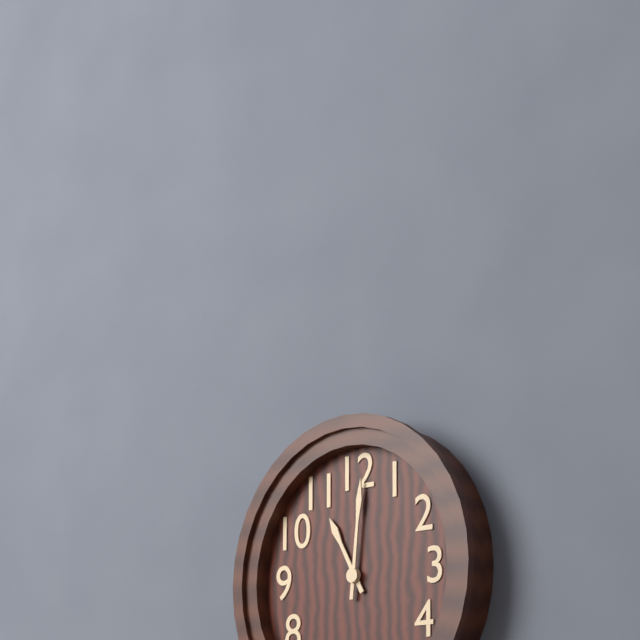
11 h 01 min
